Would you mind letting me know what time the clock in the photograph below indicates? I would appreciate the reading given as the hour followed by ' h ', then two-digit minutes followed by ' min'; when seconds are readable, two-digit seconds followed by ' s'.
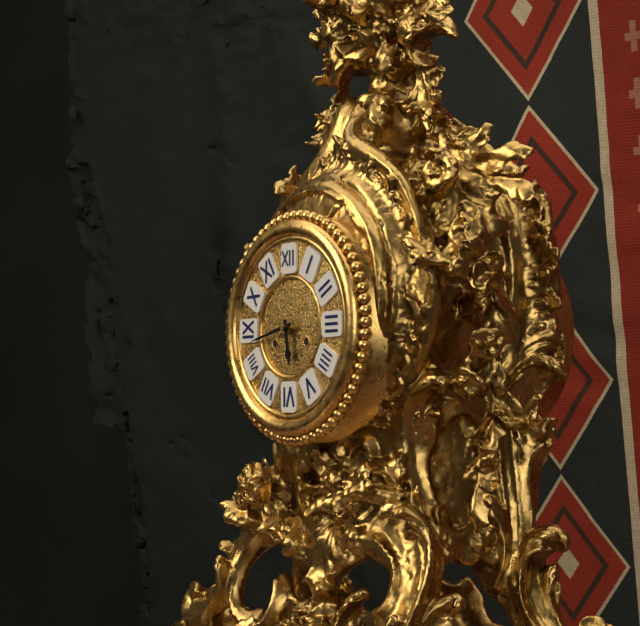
5 h 43 min
